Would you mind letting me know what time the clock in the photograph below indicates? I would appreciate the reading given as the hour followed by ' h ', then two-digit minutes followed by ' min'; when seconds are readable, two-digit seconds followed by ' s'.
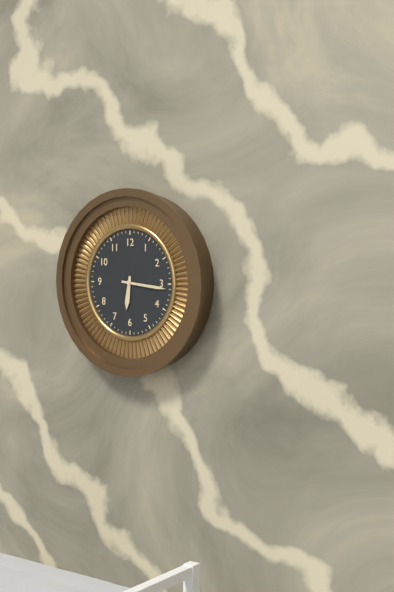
6 h 16 min
